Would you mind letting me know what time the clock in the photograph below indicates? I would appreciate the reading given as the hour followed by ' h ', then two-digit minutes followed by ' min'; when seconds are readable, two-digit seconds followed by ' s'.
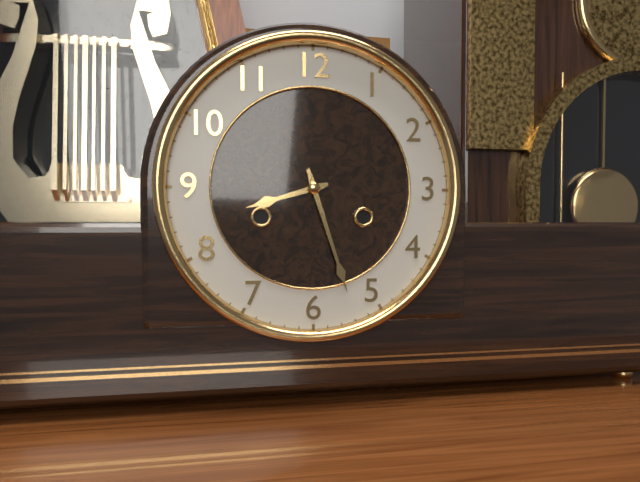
8 h 27 min
